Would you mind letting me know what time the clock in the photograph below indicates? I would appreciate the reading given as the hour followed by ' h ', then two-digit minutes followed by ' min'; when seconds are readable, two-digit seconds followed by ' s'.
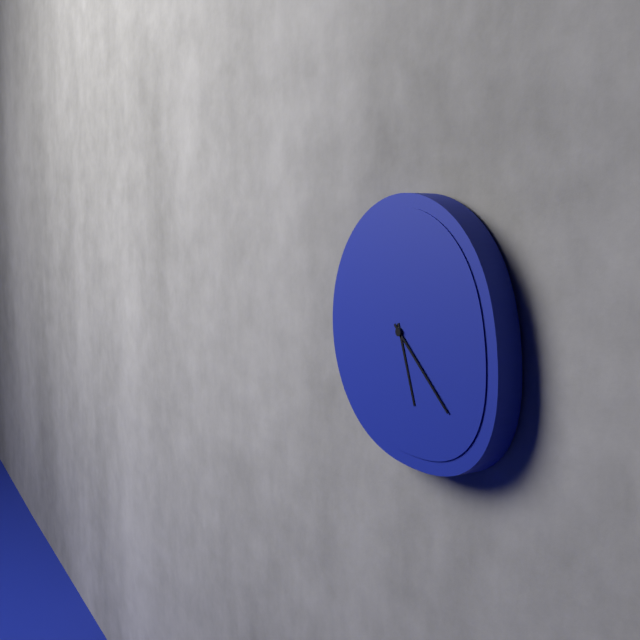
5 h 22 min
